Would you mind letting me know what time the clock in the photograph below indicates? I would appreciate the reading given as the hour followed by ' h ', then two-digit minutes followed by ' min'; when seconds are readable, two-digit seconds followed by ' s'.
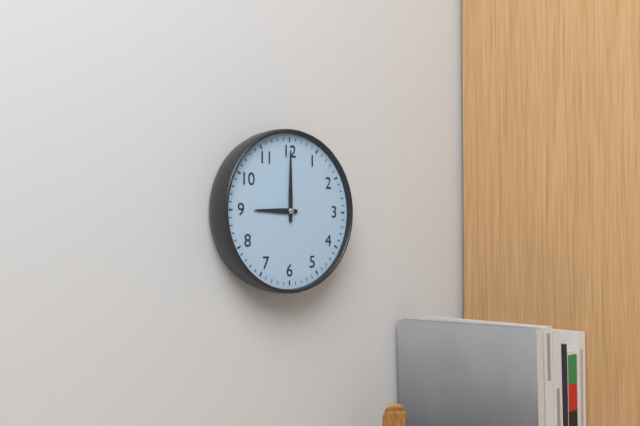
9 h 00 min
